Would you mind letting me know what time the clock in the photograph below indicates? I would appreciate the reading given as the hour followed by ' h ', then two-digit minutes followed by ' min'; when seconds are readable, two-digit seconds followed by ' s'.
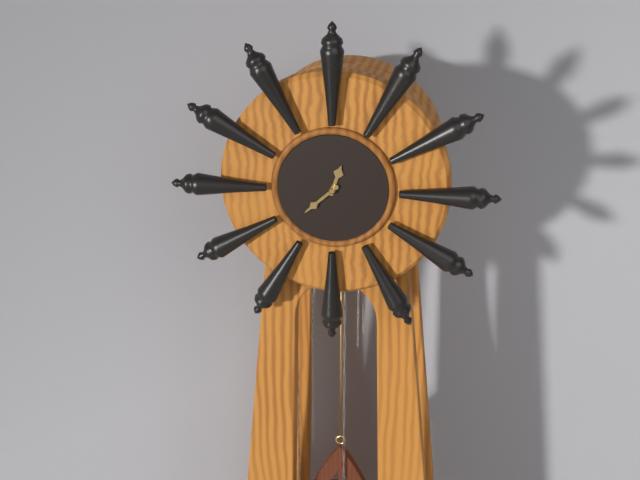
12 h 38 min
